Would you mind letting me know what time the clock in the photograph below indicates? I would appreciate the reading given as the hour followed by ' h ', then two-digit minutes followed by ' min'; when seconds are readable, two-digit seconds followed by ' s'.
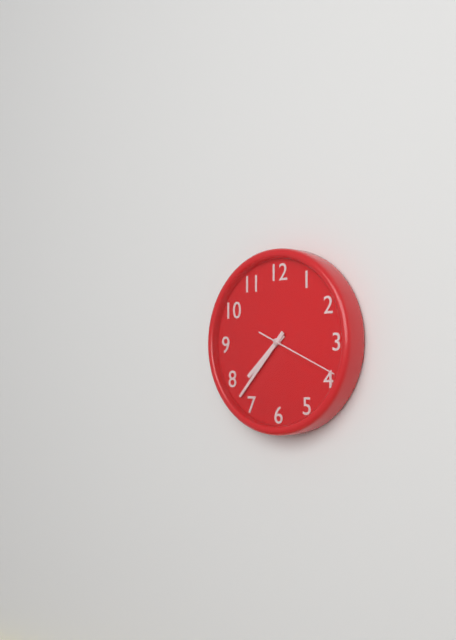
7 h 37 min 19 s
